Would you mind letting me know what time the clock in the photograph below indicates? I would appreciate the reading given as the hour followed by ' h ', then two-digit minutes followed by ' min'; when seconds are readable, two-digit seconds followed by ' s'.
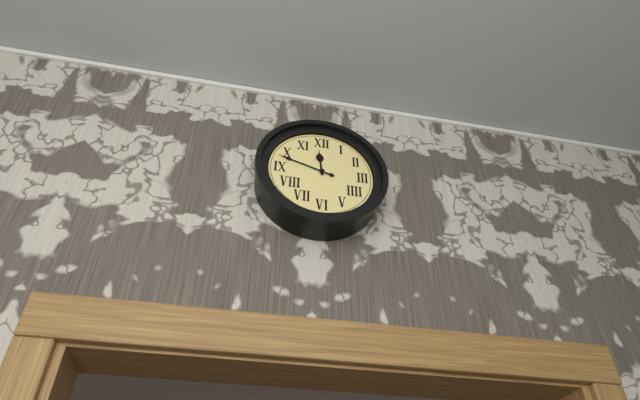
11 h 48 min
